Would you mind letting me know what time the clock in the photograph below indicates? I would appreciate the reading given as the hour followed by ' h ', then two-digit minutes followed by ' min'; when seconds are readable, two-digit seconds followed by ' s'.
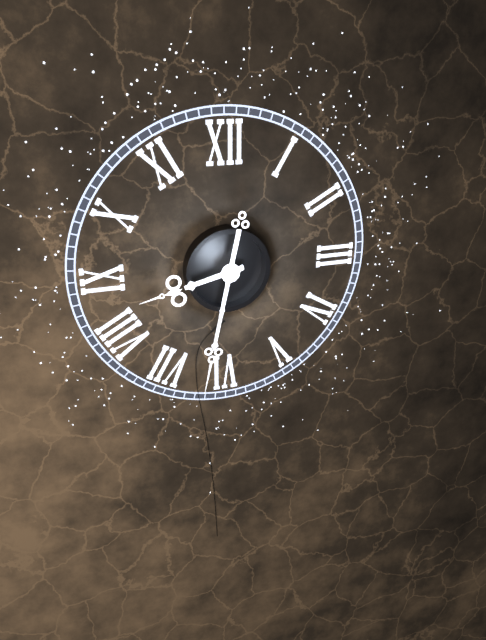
8 h 32 min
